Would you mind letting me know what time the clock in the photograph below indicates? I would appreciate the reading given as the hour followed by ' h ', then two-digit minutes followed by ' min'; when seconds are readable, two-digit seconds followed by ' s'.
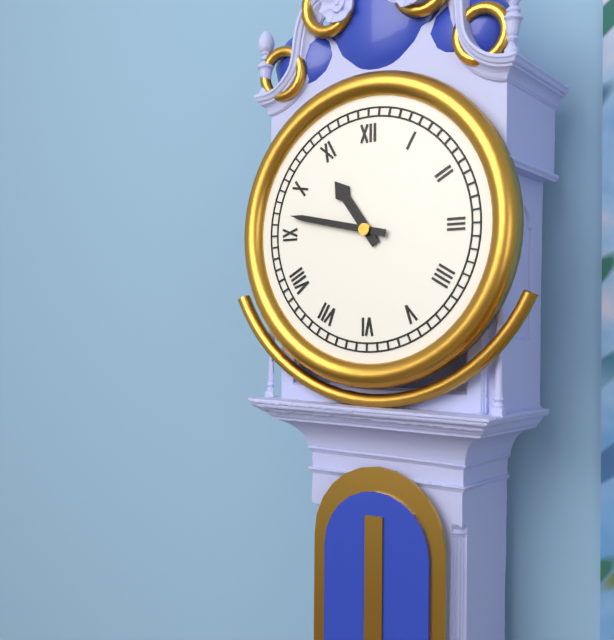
10 h 47 min
